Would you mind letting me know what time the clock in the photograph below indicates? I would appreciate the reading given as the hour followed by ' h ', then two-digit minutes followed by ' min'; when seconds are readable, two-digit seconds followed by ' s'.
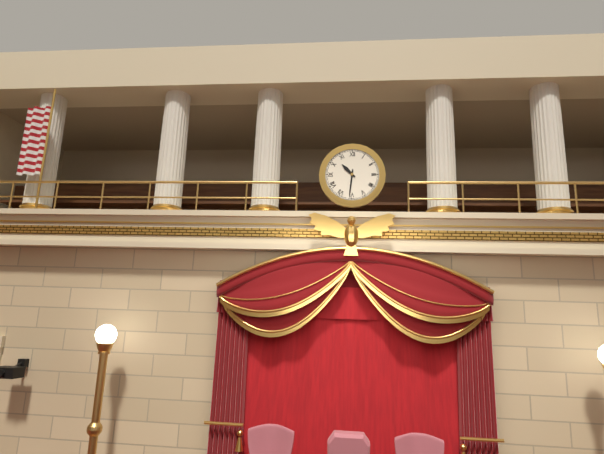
10 h 31 min
